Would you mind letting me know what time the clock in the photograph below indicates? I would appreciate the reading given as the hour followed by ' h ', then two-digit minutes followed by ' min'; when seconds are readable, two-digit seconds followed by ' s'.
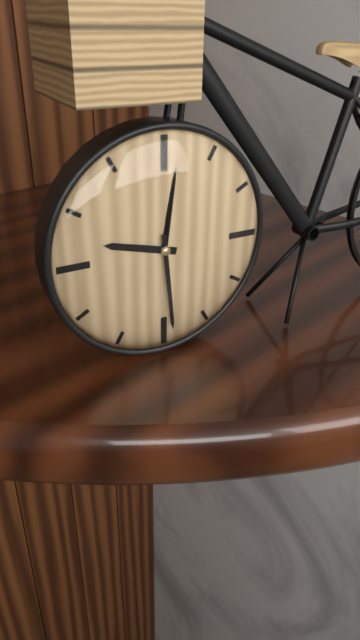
9 h 29 min
